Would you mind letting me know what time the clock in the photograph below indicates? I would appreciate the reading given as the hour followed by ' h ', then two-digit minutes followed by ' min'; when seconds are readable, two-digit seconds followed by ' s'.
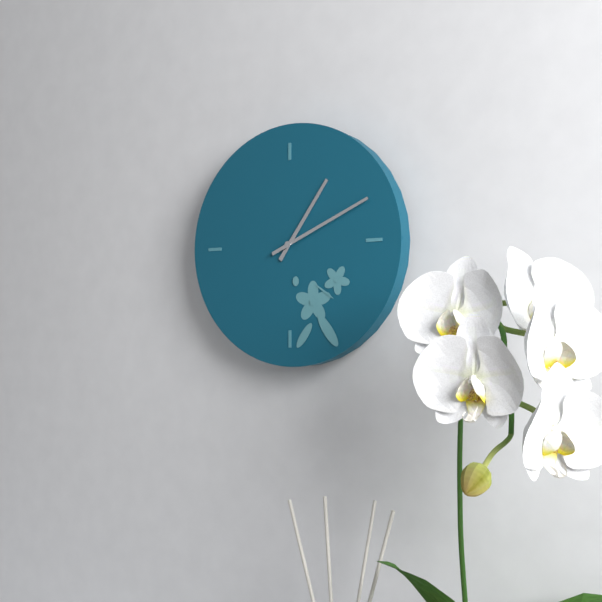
1 h 11 min
